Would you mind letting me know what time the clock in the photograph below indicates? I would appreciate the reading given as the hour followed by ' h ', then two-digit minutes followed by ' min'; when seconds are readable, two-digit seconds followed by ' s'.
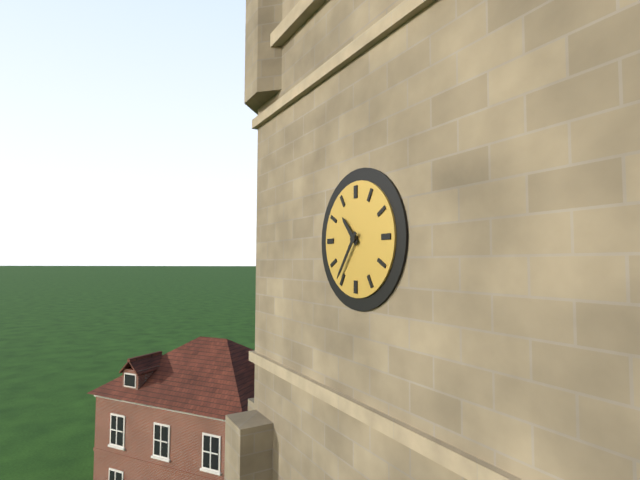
10 h 36 min
